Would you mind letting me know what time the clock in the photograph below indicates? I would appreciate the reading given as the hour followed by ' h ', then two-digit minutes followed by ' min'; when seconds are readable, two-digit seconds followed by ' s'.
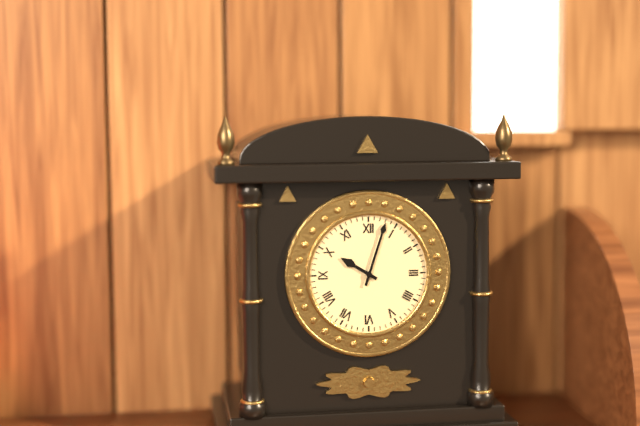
10 h 03 min
